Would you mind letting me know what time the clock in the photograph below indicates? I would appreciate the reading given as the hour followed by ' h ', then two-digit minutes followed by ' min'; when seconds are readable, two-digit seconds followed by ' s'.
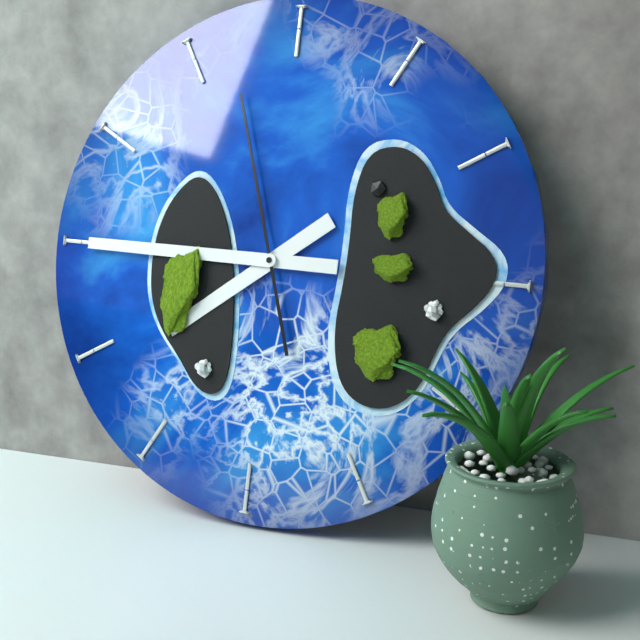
7 h 45 min 57 s
